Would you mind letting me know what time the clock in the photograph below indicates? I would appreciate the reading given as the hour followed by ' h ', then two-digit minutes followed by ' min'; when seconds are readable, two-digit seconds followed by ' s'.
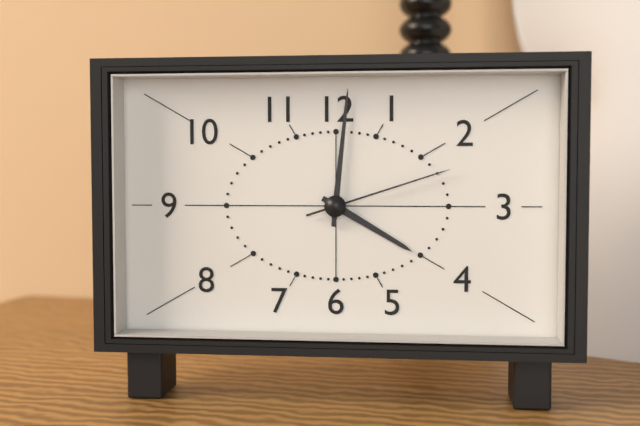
4 h 01 min 12 s
